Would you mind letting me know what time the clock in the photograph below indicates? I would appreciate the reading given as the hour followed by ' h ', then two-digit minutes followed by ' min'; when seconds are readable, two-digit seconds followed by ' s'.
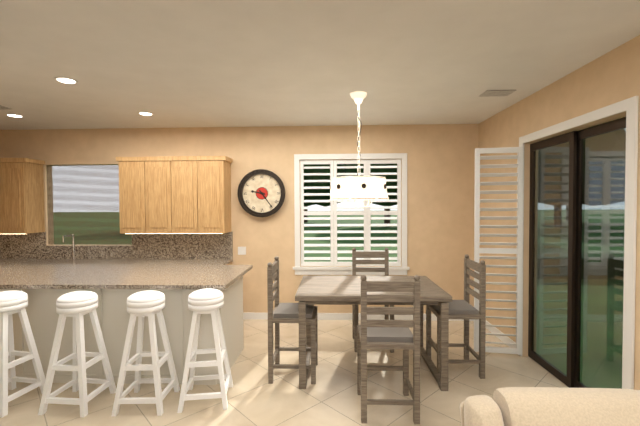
9 h 24 min
